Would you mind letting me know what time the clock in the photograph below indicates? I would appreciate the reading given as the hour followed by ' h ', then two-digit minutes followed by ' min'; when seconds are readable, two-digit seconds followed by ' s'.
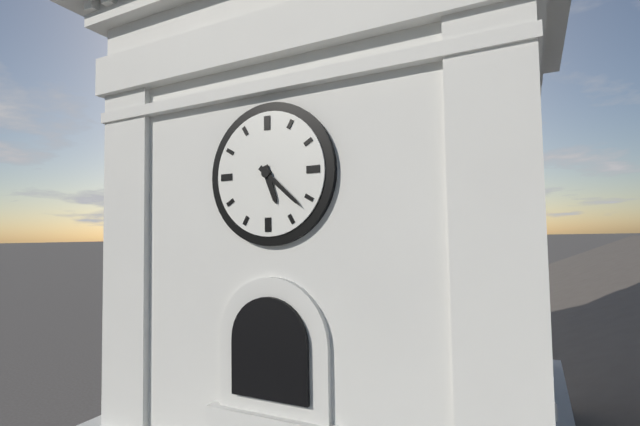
5 h 22 min
